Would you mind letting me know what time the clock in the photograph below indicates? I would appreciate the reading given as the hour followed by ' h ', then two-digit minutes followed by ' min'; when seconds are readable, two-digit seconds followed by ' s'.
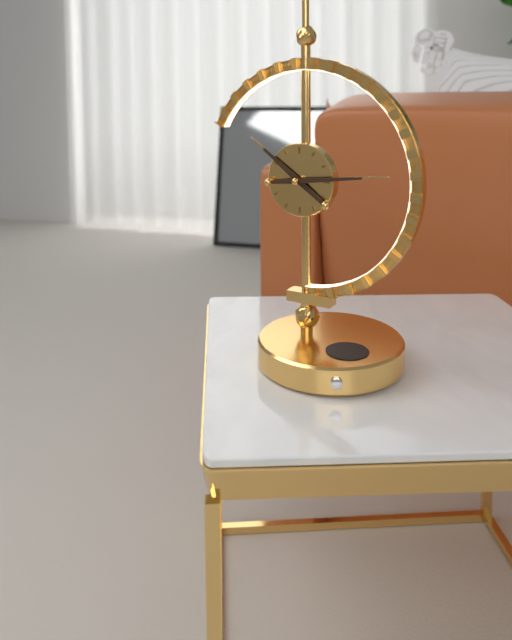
10 h 14 min
